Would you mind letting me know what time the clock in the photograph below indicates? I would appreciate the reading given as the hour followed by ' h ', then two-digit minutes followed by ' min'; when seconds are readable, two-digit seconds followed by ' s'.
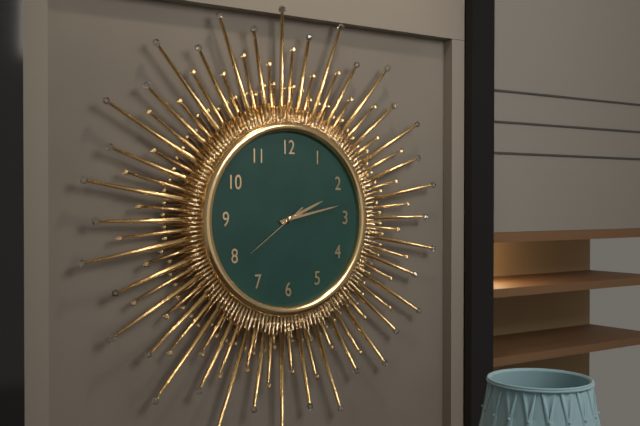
2 h 13 min 39 s
